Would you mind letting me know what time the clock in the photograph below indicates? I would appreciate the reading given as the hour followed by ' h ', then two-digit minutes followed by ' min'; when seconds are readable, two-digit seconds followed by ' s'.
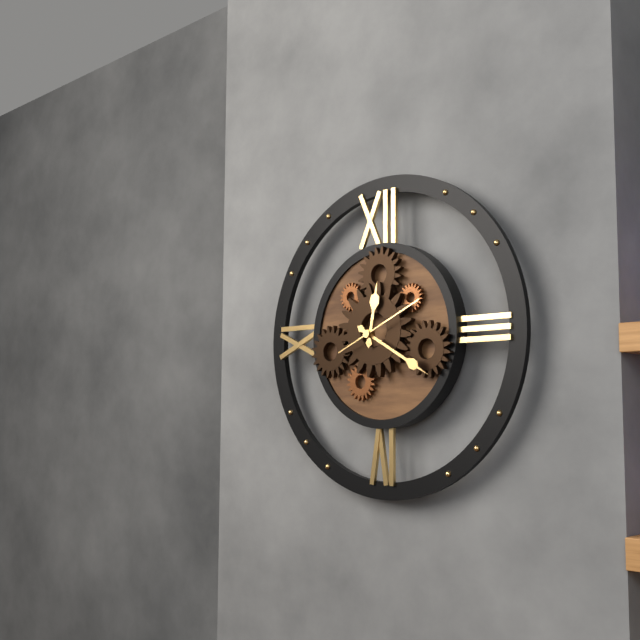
12 h 20 min 11 s
